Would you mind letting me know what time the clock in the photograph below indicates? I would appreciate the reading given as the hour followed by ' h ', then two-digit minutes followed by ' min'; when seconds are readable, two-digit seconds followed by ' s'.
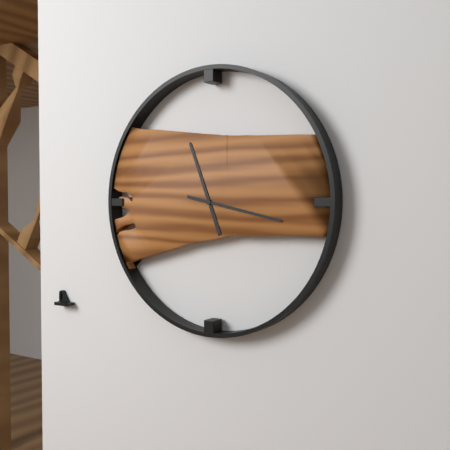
11 h 17 min
